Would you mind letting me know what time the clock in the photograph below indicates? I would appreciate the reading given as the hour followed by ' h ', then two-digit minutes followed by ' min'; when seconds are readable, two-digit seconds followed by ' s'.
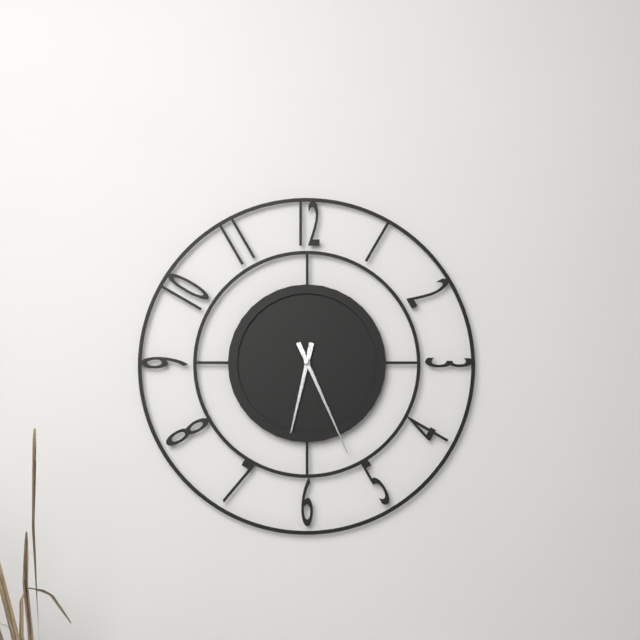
6 h 26 min
